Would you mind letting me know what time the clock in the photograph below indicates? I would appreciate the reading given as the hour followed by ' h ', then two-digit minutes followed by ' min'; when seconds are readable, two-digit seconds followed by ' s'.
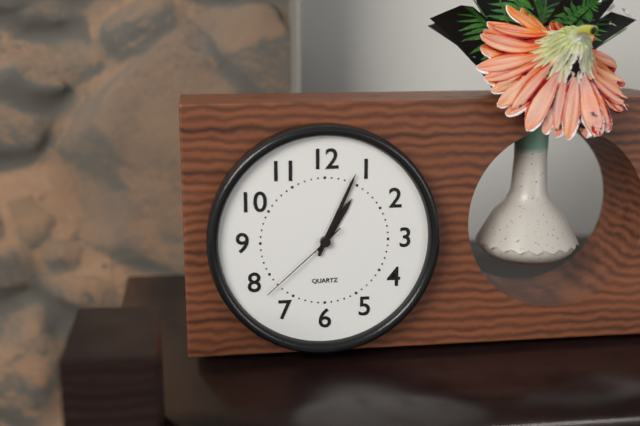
1 h 04 min 38 s
